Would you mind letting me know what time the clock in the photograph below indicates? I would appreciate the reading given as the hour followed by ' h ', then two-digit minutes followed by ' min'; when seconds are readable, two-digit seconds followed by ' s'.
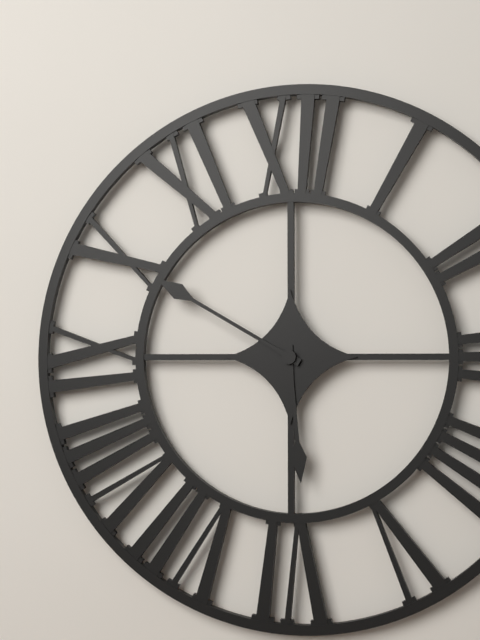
5 h 50 min
